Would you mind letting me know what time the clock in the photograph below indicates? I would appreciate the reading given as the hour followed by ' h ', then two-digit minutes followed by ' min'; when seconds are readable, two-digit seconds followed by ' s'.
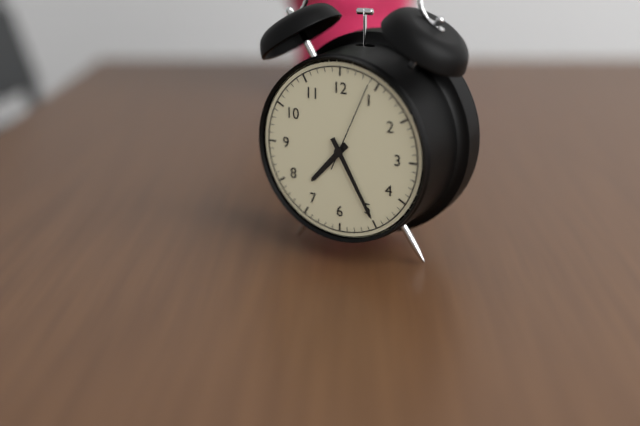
7 h 25 min 04 s
